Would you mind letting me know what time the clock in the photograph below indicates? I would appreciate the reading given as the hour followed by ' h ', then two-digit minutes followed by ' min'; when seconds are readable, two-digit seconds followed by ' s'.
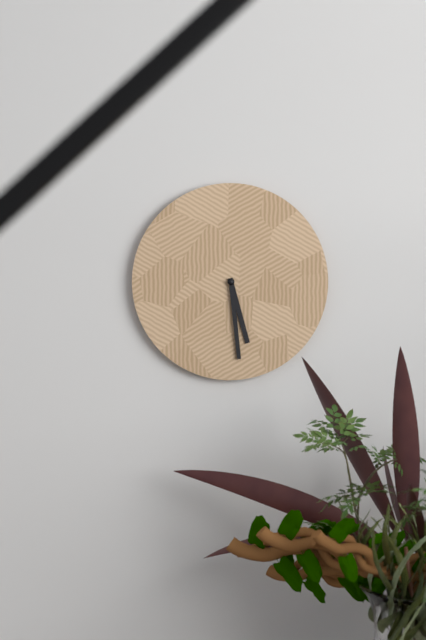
5 h 29 min
